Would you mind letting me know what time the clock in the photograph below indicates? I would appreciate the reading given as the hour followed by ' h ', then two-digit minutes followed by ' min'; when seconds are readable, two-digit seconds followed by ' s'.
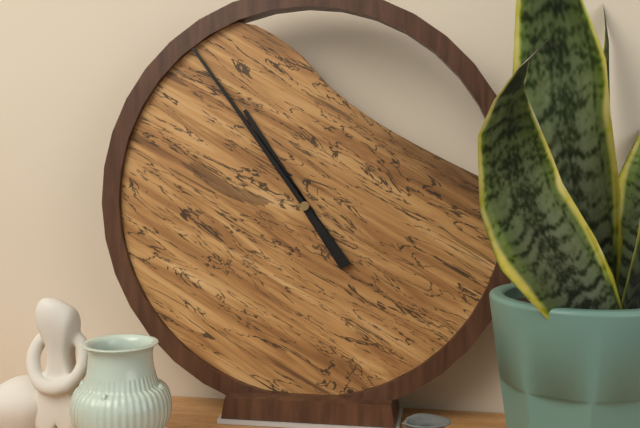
10 h 54 min
